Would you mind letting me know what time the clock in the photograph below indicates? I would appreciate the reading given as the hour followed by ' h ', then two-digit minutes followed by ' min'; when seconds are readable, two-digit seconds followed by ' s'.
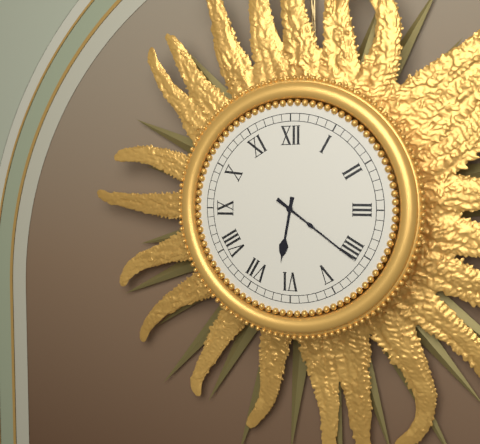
6 h 21 min
